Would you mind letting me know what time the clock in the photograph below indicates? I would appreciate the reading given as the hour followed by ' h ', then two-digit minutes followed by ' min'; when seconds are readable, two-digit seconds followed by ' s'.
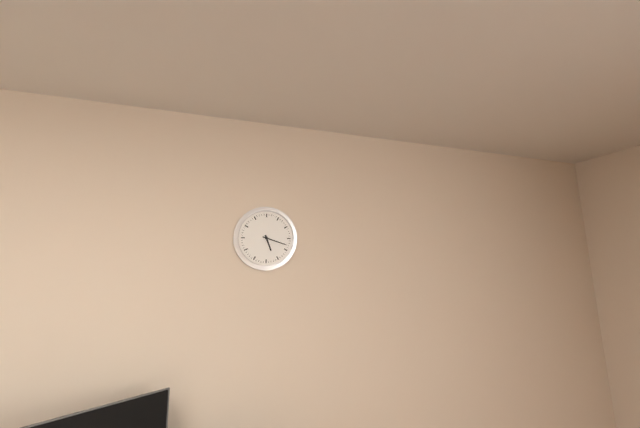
5 h 18 min
